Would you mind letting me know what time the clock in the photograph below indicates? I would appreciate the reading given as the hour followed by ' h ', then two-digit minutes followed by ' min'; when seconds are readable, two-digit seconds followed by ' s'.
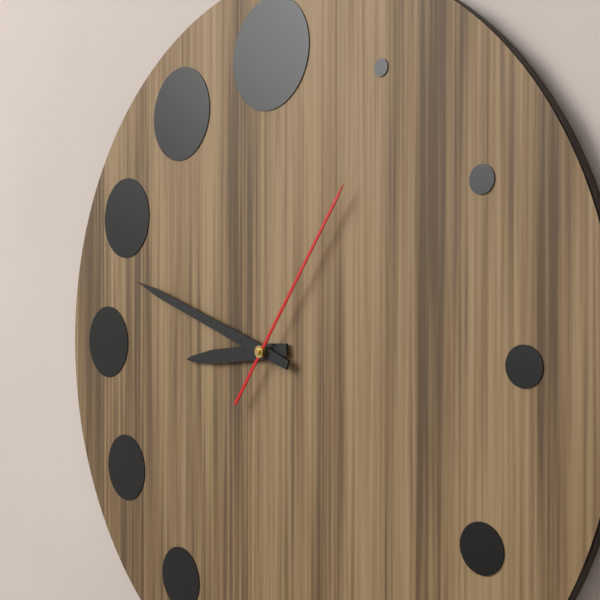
8 h 48 min 06 s
